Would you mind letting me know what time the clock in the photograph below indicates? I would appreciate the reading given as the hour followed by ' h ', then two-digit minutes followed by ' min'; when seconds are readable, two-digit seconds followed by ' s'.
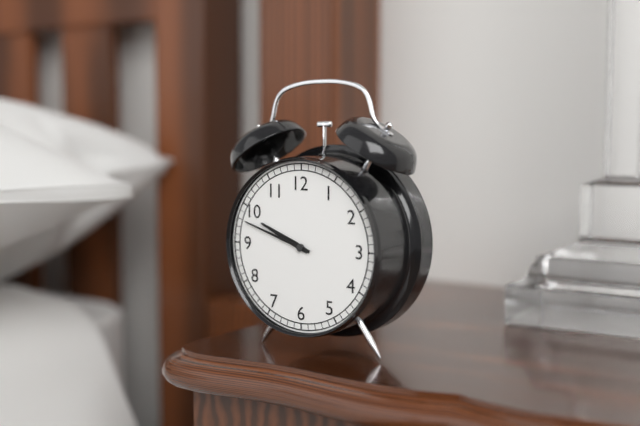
9 h 48 min
